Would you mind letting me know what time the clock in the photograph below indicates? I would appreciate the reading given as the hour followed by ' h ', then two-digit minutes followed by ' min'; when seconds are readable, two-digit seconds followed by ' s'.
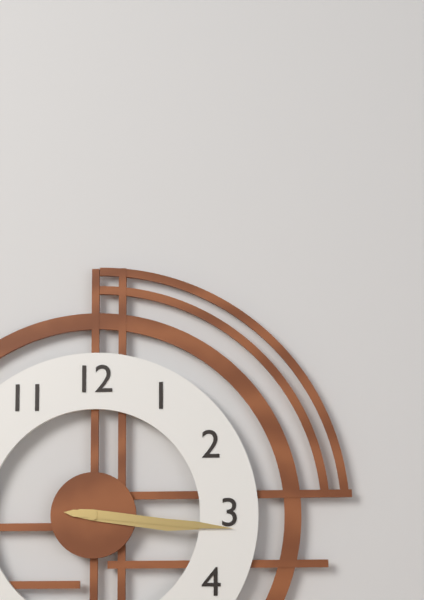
3 h 16 min
